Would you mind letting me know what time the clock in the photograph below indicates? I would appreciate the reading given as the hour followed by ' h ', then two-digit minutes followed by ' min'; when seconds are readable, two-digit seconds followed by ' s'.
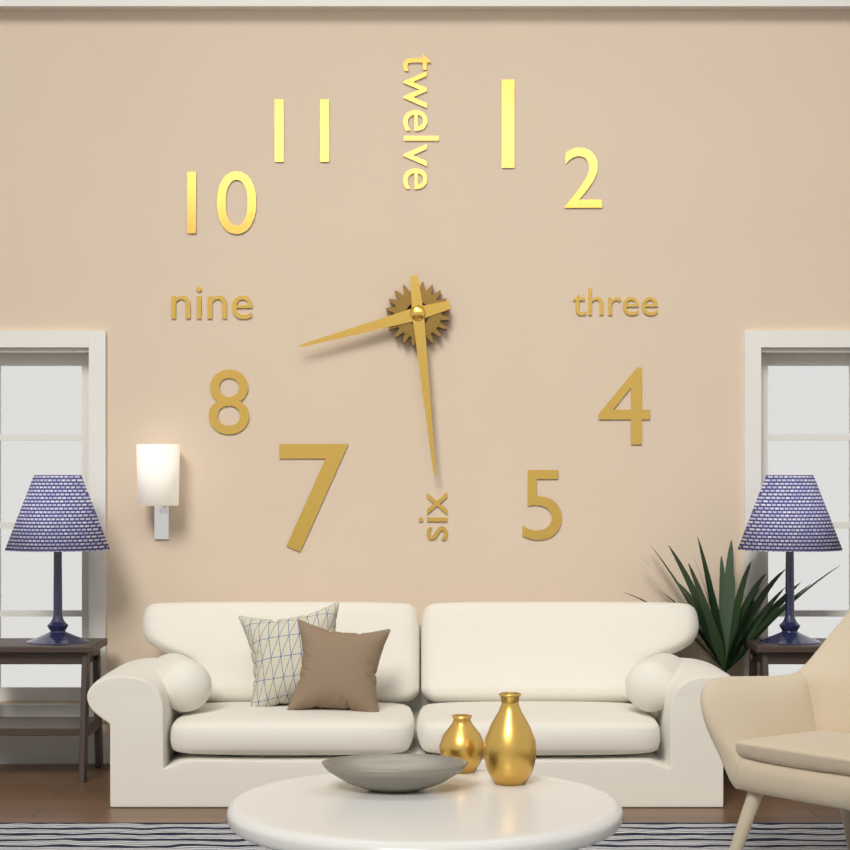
8 h 29 min
